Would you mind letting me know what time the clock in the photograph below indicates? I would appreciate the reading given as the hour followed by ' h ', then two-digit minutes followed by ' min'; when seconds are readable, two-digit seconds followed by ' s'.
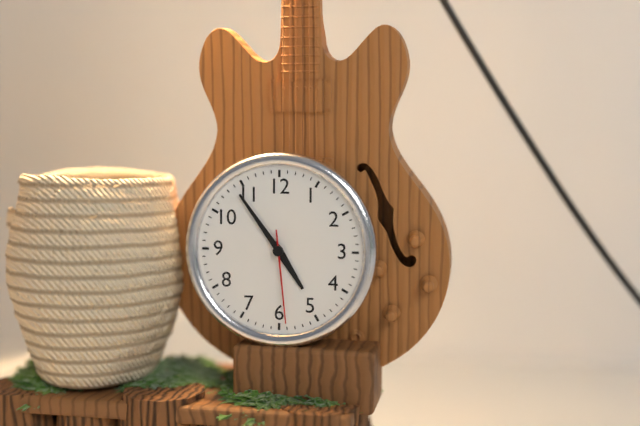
4 h 54 min 29 s
